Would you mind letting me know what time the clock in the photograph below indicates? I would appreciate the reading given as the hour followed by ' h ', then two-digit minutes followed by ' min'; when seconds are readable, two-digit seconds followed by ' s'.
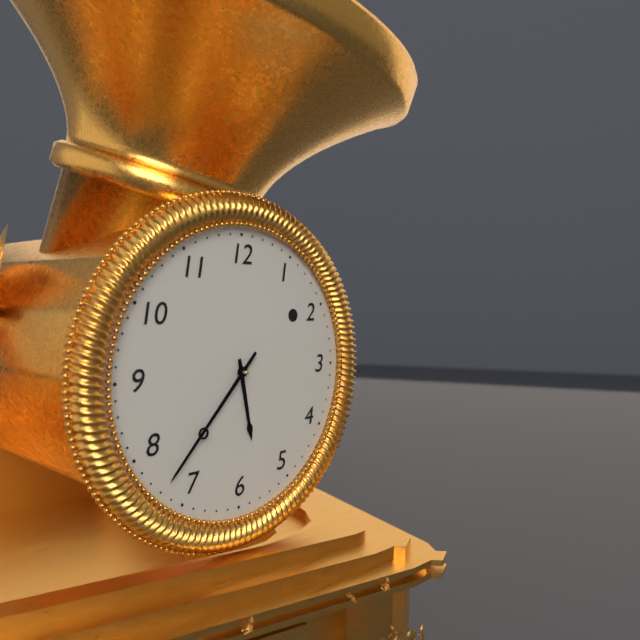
5 h 37 min
